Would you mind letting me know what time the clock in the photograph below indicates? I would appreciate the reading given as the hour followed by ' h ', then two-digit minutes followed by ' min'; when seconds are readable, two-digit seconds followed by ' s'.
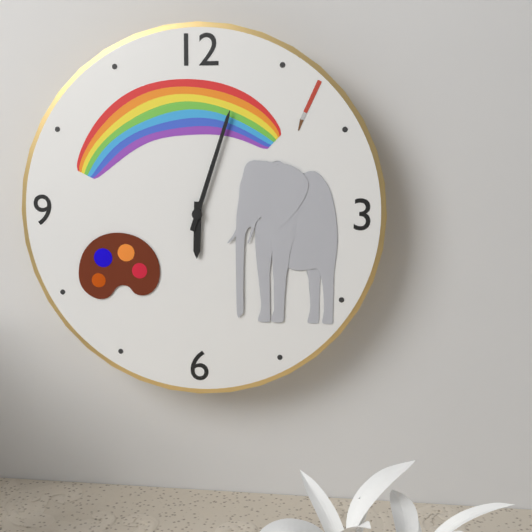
6 h 03 min
